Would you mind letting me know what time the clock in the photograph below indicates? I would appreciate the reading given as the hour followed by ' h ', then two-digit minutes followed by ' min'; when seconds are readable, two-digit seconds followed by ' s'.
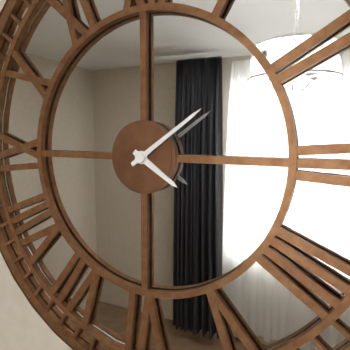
4 h 09 min
